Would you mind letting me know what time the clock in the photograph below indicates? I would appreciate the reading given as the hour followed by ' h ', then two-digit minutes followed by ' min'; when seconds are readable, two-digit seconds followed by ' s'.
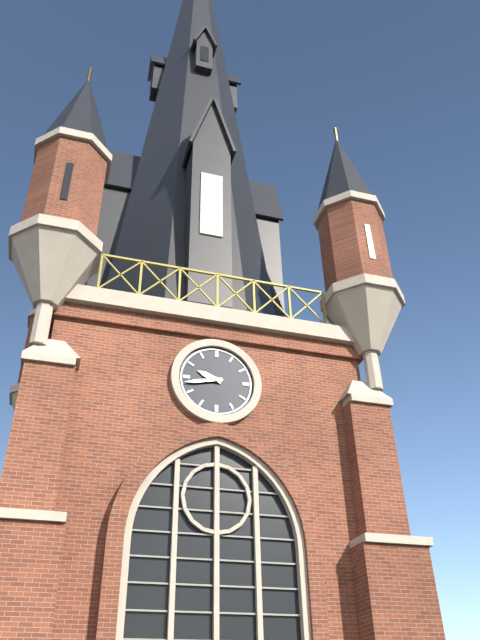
9 h 43 min
